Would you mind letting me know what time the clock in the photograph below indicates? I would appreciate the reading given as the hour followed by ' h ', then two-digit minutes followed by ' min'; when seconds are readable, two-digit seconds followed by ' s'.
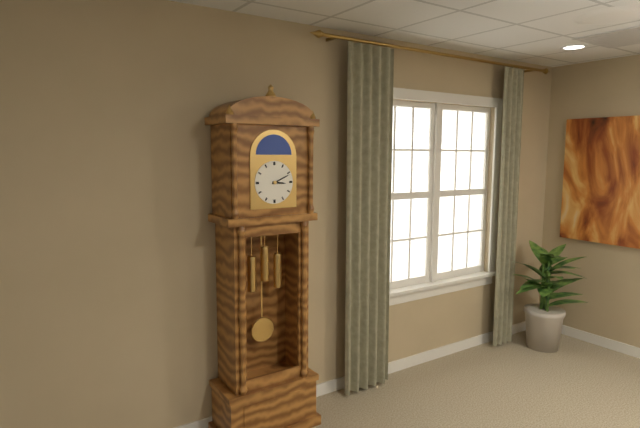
3 h 11 min
